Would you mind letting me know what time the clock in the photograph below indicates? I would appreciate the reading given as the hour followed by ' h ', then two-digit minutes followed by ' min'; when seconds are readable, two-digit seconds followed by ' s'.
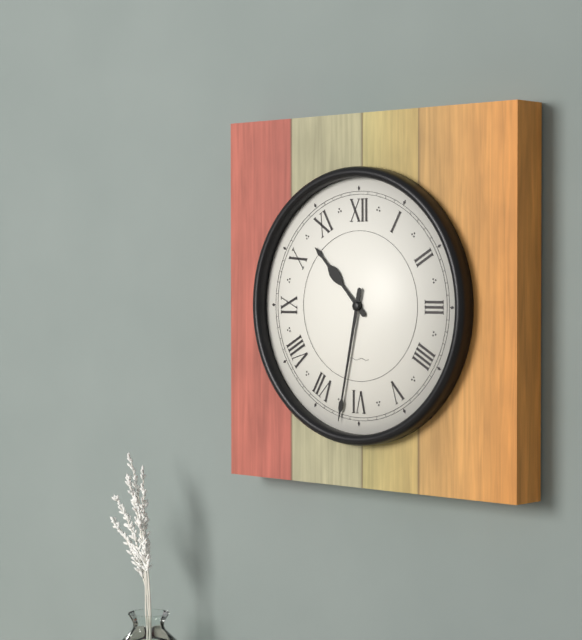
10 h 32 min
